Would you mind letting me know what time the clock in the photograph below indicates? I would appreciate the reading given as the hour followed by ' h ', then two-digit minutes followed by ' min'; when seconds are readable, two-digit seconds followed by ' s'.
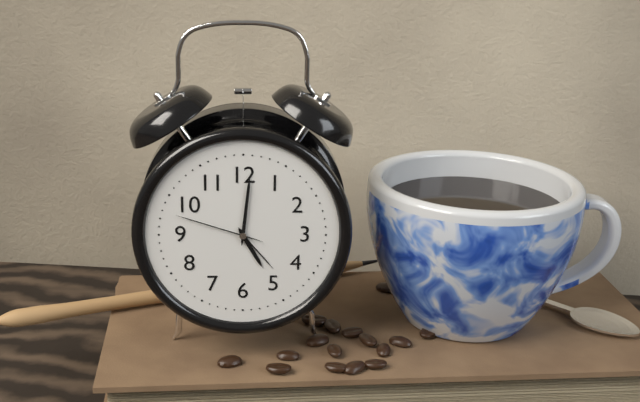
5 h 01 min 48 s
